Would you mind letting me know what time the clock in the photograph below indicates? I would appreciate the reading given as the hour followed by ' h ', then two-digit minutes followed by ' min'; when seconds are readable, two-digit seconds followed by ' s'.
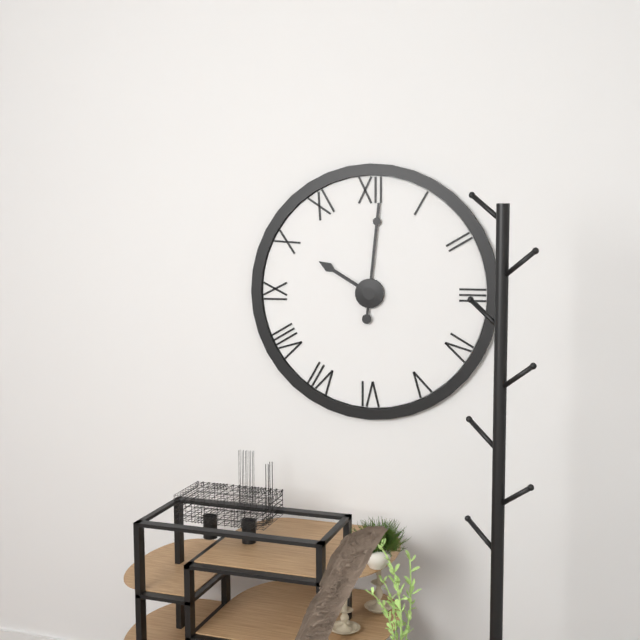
10 h 01 min
